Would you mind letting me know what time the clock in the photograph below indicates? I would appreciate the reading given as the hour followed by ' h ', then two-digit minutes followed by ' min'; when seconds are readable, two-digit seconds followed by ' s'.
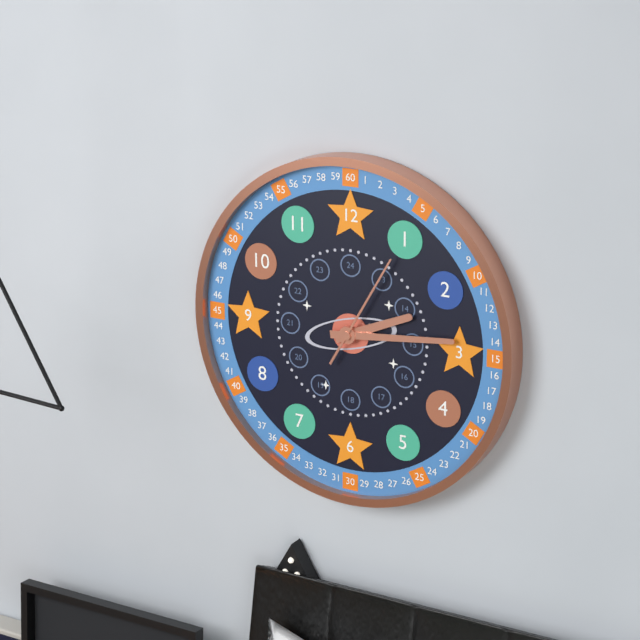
2 h 14 min 05 s
